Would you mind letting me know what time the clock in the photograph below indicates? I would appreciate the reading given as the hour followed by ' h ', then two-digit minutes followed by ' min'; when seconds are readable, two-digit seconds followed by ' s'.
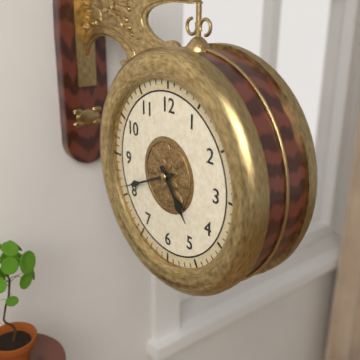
4 h 41 min
